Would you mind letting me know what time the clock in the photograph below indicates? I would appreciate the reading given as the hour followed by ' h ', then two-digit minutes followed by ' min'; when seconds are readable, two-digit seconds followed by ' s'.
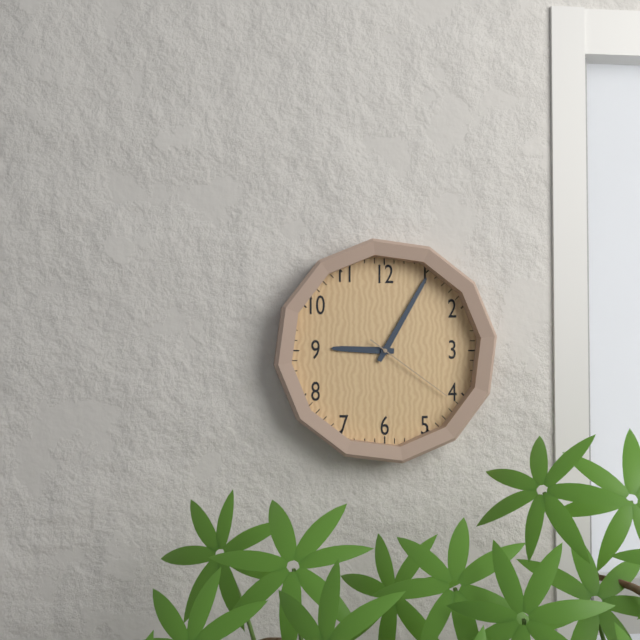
9 h 05 min 21 s
